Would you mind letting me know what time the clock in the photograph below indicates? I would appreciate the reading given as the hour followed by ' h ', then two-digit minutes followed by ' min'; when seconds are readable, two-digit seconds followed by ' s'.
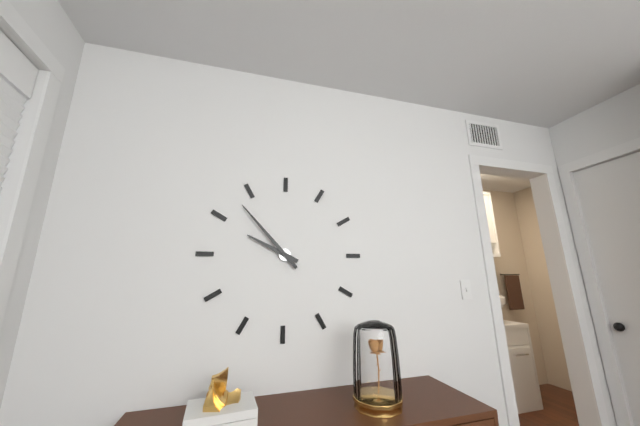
9 h 53 min
